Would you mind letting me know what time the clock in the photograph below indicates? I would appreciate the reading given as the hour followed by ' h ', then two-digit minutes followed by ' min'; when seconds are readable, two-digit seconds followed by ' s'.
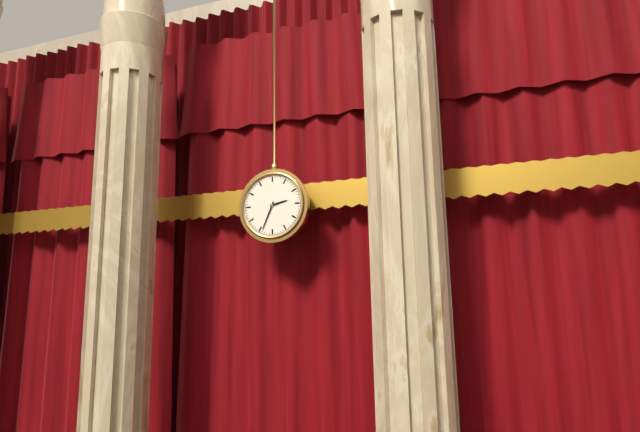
2 h 34 min
